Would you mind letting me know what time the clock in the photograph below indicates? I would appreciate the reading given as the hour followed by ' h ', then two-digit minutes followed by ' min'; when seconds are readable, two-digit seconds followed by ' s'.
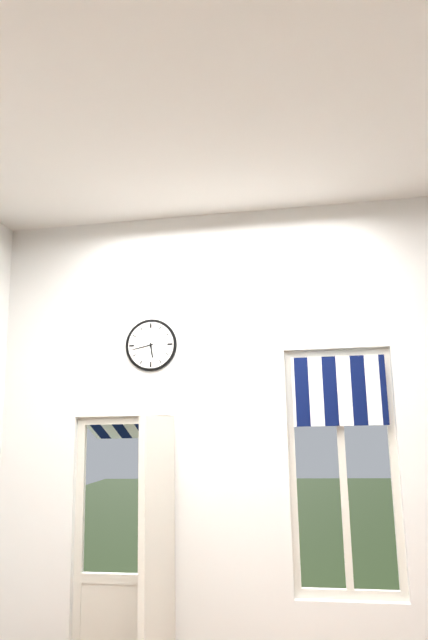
5 h 43 min
